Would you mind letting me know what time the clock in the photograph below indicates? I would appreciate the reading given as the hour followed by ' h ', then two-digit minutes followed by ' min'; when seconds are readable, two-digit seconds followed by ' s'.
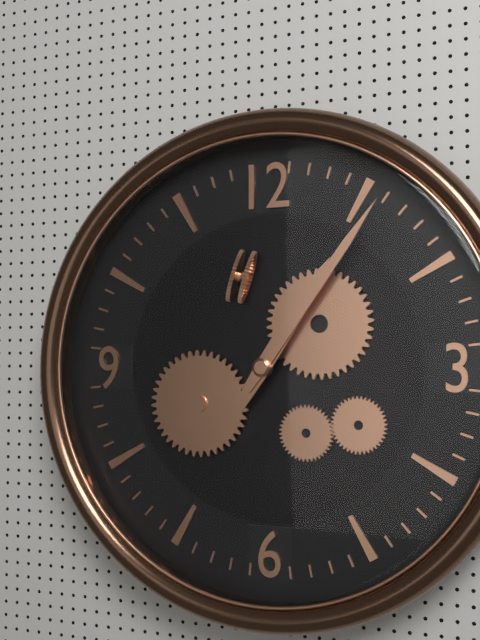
1 h 06 min
